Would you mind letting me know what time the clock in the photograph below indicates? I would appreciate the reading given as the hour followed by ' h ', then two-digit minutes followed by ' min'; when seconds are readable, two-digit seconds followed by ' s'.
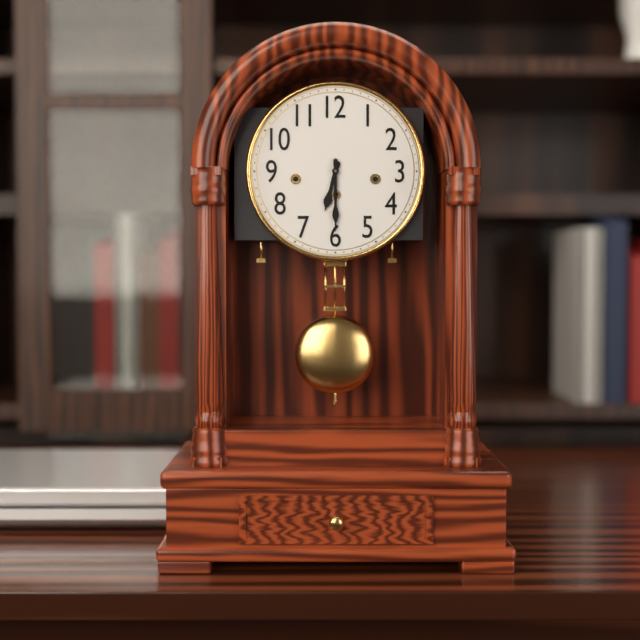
6 h 30 min
